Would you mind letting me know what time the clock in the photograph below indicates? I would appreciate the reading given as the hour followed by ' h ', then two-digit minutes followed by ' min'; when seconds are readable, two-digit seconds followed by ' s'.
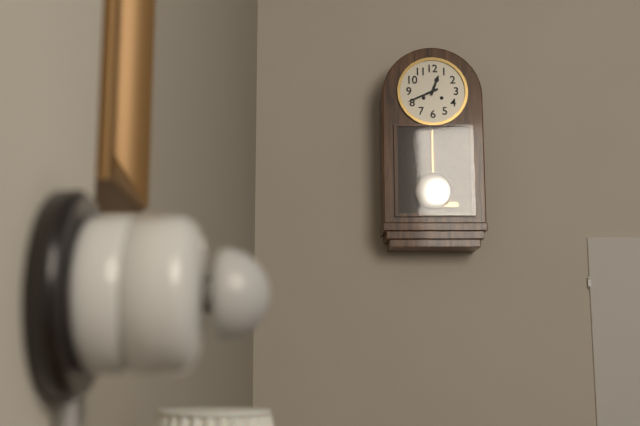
12 h 41 min
